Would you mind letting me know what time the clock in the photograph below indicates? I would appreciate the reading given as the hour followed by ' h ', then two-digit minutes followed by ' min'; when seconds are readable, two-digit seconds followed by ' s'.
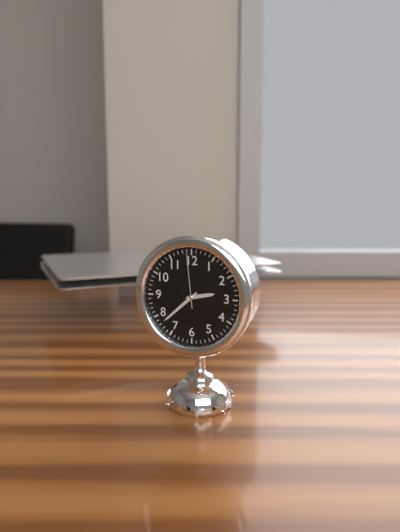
2 h 38 min 59 s
